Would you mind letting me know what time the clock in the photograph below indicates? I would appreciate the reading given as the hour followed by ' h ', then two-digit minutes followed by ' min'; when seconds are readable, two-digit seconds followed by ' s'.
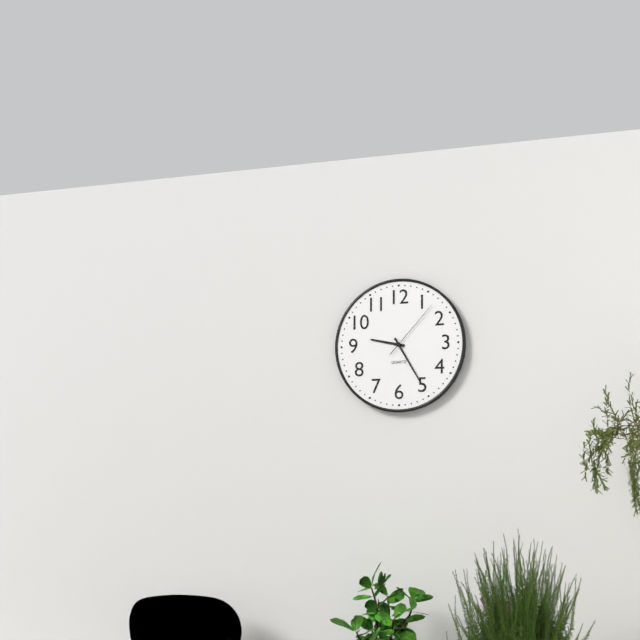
9 h 25 min 07 s
